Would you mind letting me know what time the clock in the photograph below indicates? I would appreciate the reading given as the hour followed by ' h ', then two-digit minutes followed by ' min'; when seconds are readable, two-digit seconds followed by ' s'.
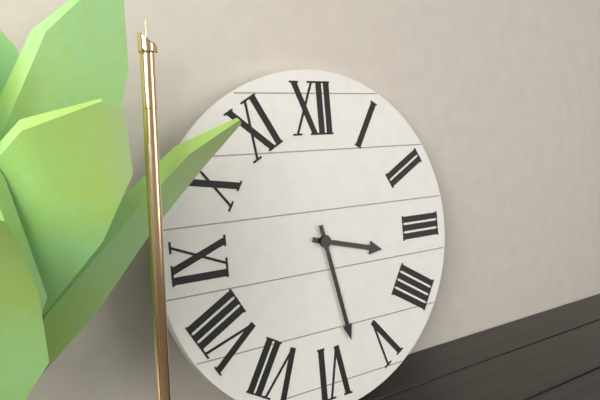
3 h 28 min
